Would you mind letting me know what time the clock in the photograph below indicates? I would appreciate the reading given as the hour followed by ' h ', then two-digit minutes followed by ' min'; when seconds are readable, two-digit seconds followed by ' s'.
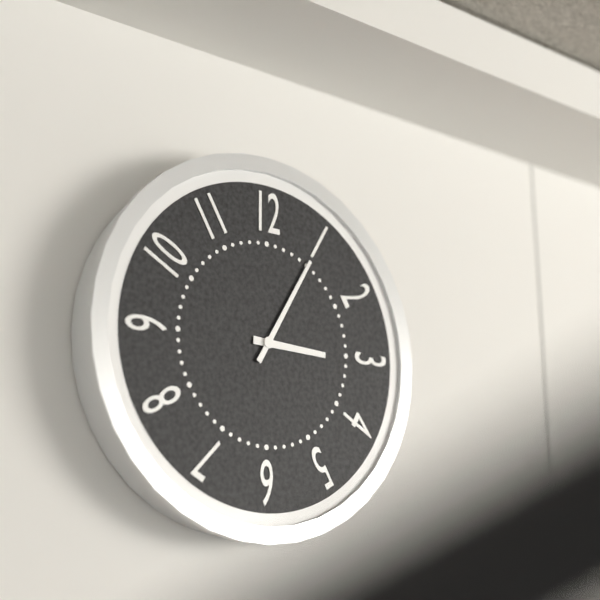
3 h 05 min
